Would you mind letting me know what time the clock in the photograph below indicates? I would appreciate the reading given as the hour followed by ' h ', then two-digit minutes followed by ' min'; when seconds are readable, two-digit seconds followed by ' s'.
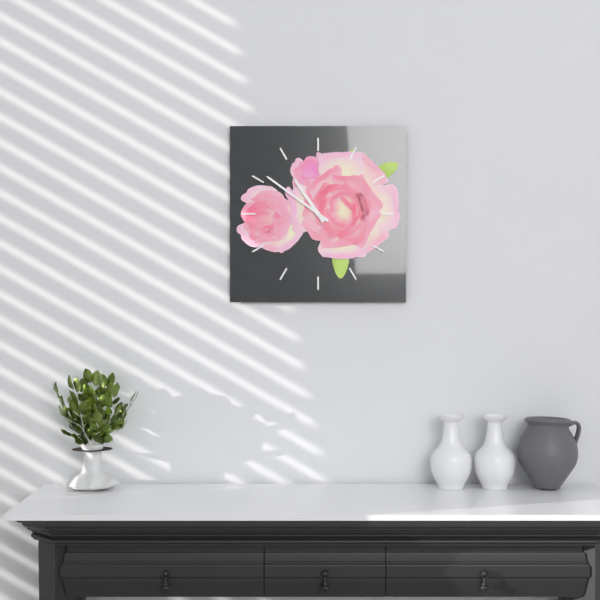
10 h 51 min
